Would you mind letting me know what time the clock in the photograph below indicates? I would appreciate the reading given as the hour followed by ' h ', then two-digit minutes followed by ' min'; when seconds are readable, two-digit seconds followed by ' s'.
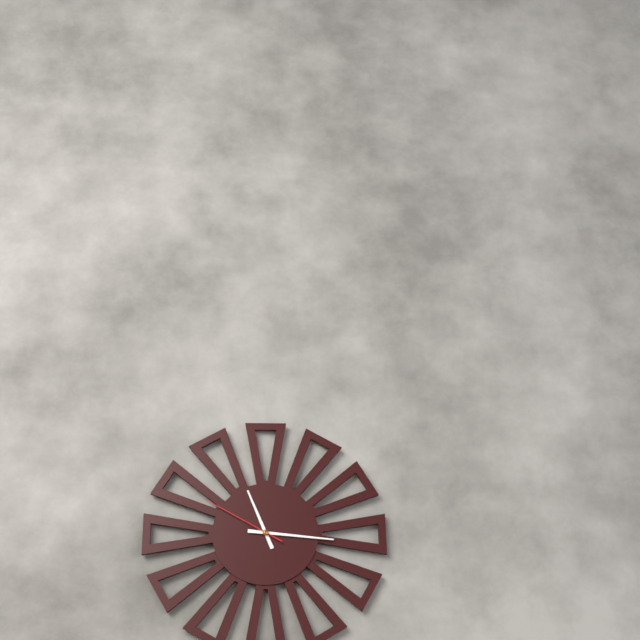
11 h 16 min 50 s
